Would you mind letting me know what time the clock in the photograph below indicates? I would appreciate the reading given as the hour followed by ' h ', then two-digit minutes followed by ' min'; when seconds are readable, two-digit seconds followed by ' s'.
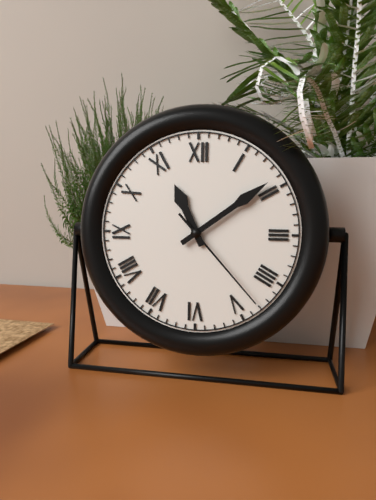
11 h 09 min 23 s
